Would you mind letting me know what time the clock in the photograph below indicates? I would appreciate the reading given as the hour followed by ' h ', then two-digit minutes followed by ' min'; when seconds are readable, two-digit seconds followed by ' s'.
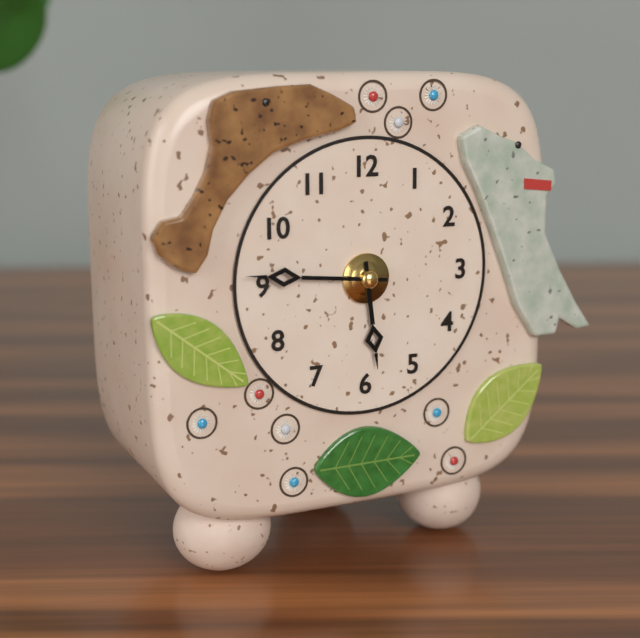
5 h 46 min
